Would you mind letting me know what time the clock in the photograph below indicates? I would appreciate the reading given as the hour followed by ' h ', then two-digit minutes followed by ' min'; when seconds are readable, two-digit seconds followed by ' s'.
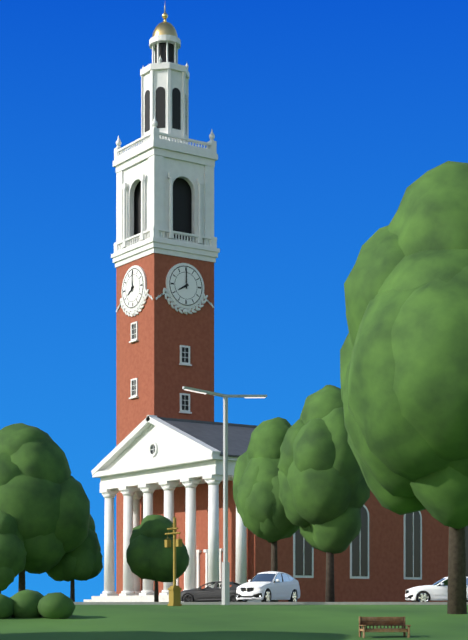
8 h 00 min
